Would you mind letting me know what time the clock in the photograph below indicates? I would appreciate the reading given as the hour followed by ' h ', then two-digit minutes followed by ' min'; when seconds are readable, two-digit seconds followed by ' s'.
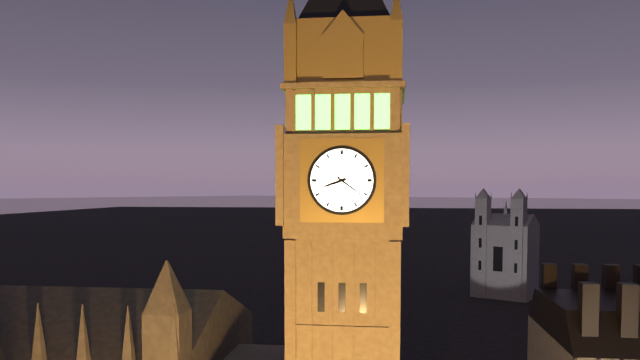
8 h 21 min
